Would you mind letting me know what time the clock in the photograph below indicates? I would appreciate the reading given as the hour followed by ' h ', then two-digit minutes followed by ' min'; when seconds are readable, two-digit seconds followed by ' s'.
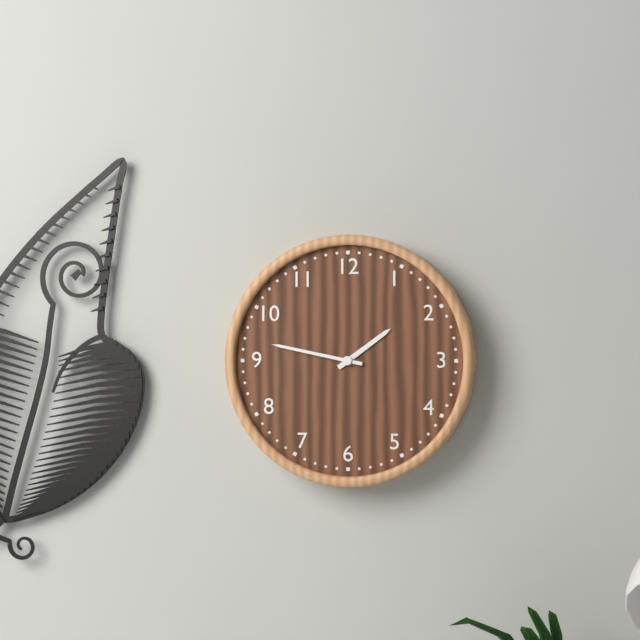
1 h 47 min
